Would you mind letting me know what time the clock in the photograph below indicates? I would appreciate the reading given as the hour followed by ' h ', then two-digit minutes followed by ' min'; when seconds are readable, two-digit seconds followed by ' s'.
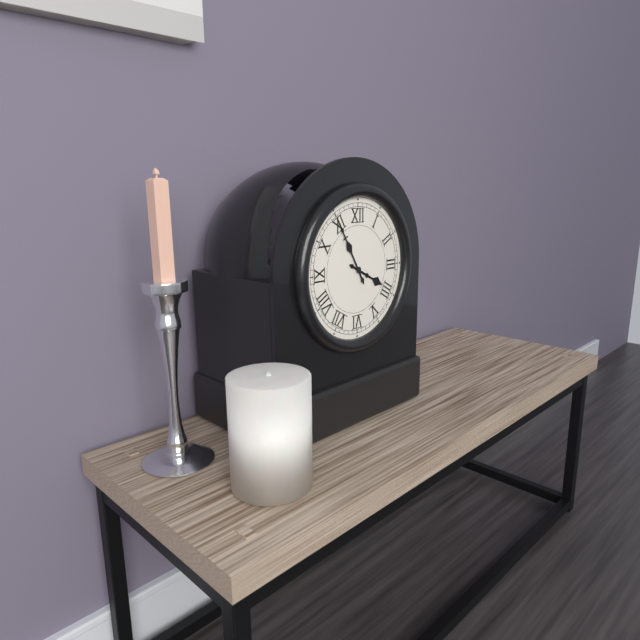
3 h 55 min
